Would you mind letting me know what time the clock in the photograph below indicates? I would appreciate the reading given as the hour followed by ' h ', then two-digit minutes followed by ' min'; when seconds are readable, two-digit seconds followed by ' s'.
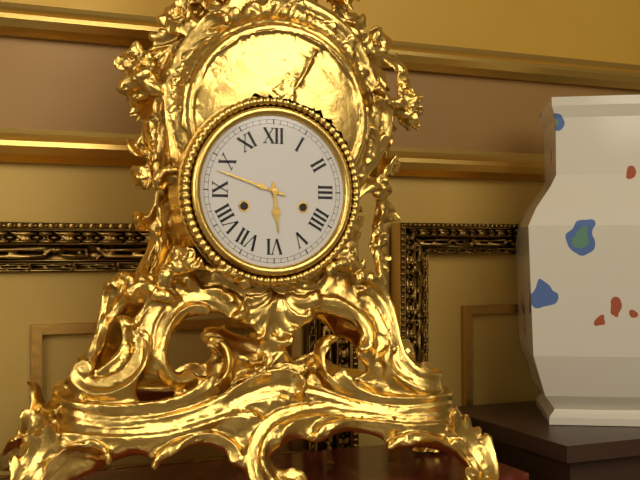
5 h 48 min
